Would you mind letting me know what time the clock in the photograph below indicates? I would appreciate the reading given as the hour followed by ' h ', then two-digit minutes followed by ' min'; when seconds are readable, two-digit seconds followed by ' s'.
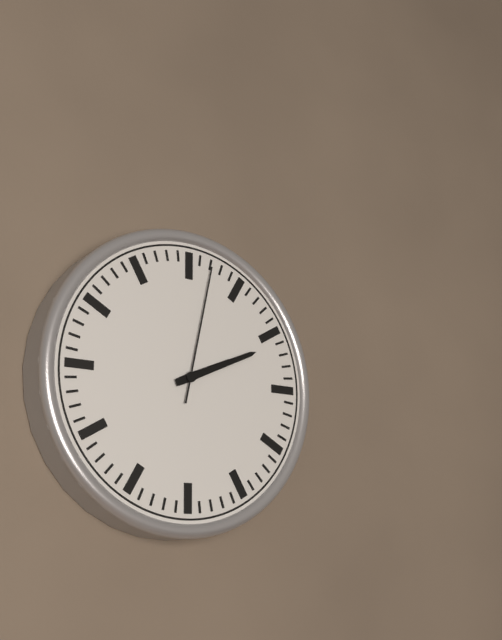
2 h 11 min 02 s
